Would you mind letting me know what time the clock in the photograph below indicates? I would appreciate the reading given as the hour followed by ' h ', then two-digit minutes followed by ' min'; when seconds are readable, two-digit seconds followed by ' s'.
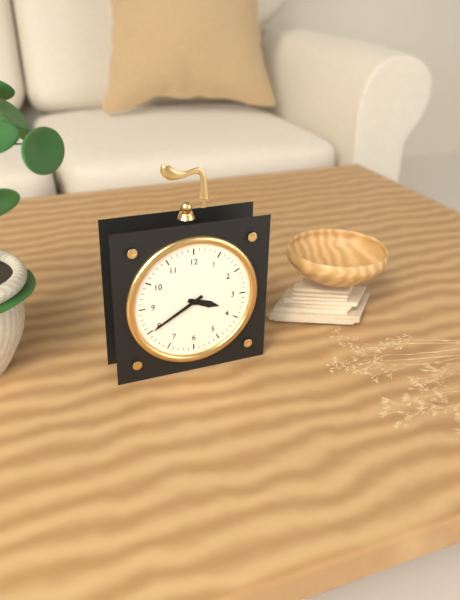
3 h 40 min
